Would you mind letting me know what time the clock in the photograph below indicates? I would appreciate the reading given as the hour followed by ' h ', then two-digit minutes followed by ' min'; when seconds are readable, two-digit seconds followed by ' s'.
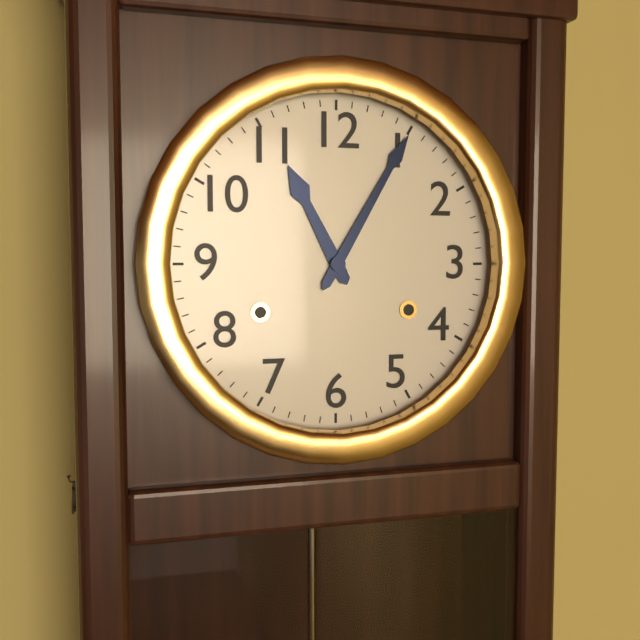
11 h 05 min
